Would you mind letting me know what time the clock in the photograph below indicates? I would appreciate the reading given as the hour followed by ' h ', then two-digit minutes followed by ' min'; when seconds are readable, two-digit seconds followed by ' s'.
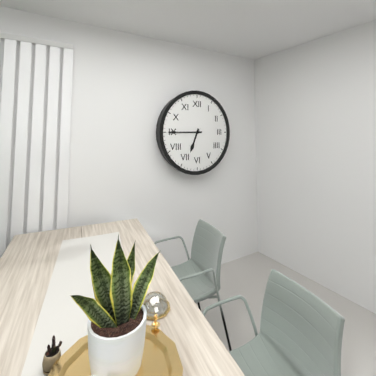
6 h 45 min
